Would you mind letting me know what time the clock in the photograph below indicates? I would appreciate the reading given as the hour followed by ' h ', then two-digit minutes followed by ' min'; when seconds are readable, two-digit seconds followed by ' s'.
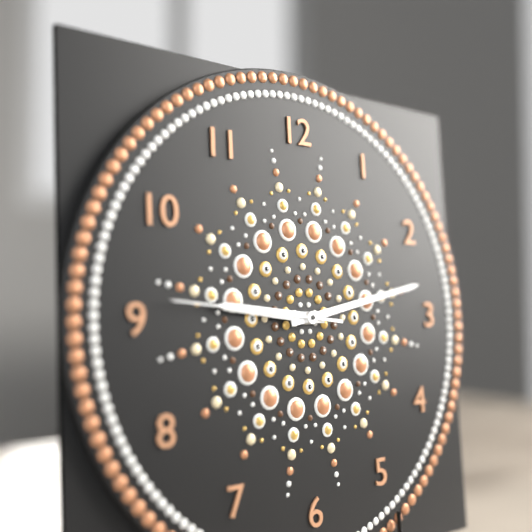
9 h 13 min 46 s
